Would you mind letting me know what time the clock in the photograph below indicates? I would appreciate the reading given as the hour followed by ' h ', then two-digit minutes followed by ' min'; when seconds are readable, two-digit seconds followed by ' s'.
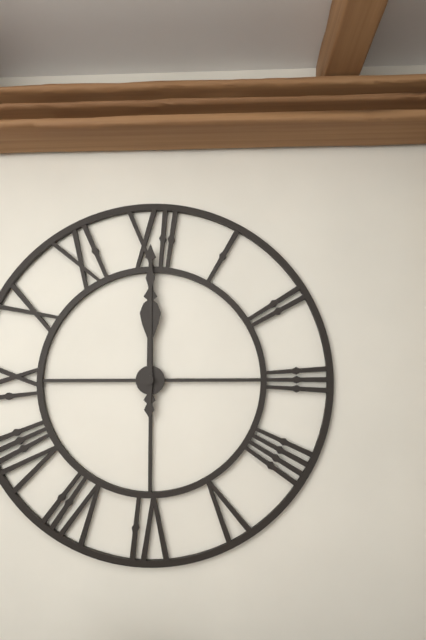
12 h 00 min
